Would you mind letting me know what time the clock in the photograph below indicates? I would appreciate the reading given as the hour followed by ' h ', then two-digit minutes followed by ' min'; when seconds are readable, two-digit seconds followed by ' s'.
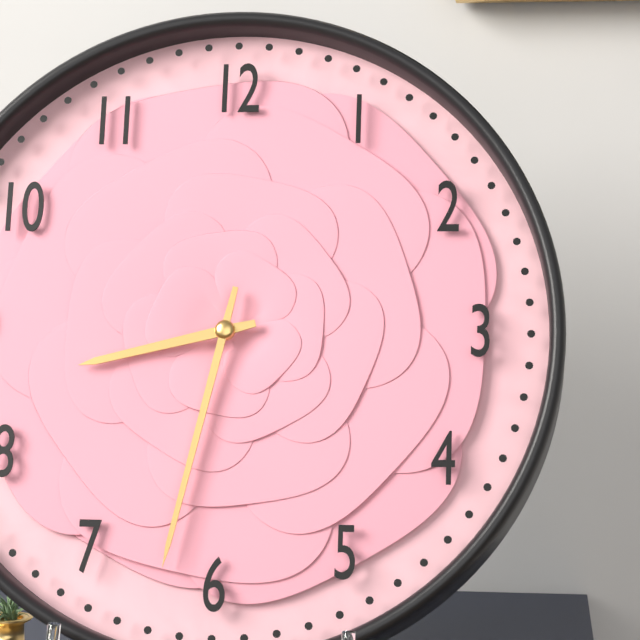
8 h 32 min
